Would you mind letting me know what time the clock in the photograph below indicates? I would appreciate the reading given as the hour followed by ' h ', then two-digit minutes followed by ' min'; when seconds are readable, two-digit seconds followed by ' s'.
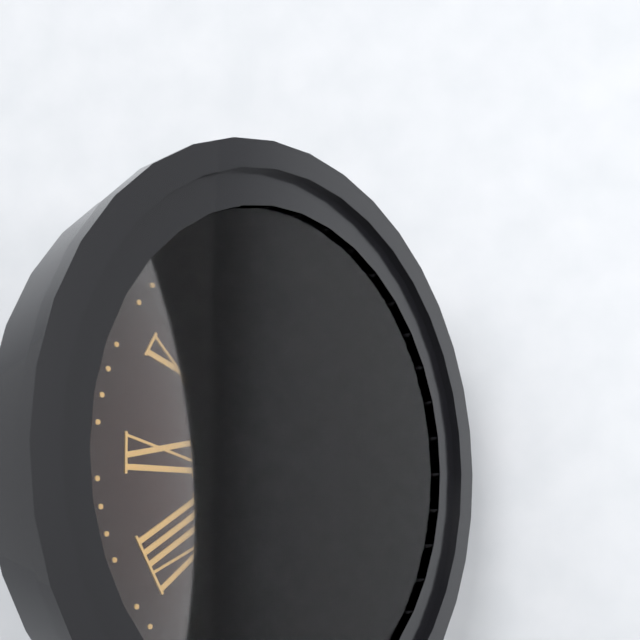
9 h 16 min 52 s
